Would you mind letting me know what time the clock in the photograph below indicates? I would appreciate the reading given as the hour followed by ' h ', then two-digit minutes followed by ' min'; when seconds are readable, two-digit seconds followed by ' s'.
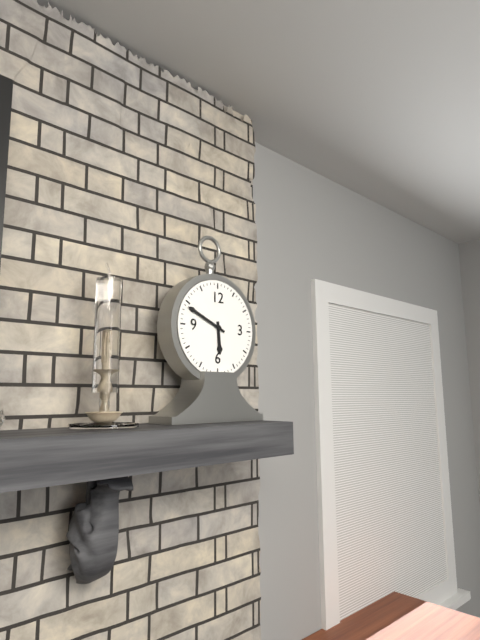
5 h 49 min
